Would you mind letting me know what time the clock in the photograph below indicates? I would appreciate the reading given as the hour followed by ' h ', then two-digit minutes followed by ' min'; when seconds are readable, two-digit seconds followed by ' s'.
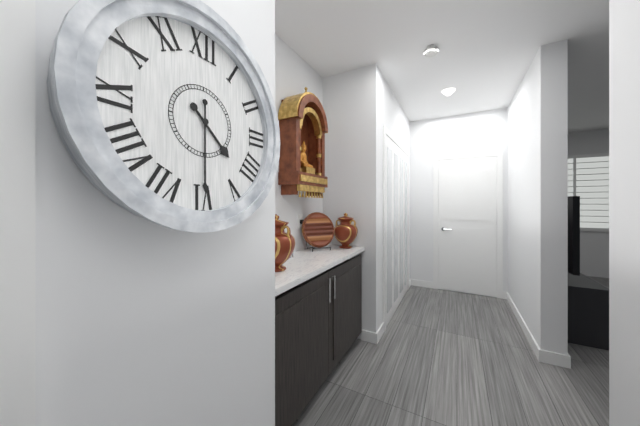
4 h 30 min
